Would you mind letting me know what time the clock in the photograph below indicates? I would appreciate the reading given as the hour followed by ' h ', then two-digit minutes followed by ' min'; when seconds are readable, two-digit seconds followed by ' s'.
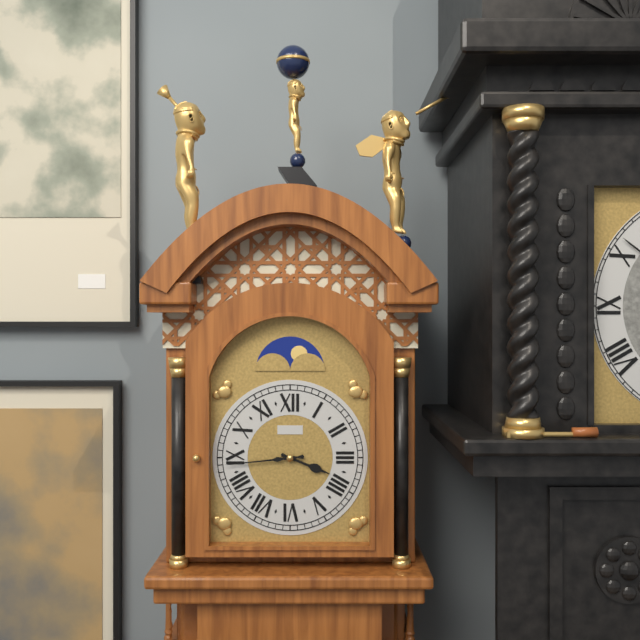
3 h 44 min
